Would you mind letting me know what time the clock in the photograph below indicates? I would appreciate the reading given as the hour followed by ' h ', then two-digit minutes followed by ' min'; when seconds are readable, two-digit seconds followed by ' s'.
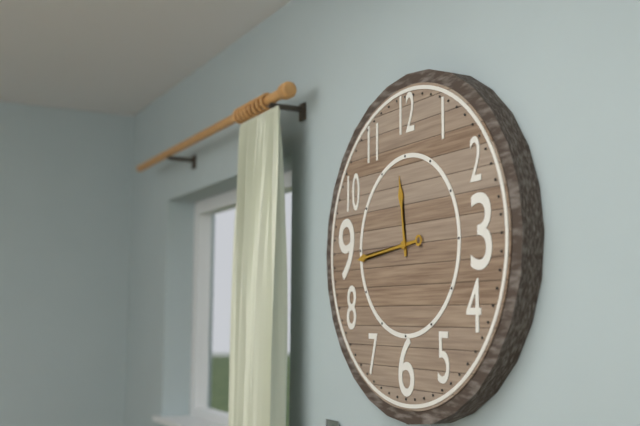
11 h 44 min
